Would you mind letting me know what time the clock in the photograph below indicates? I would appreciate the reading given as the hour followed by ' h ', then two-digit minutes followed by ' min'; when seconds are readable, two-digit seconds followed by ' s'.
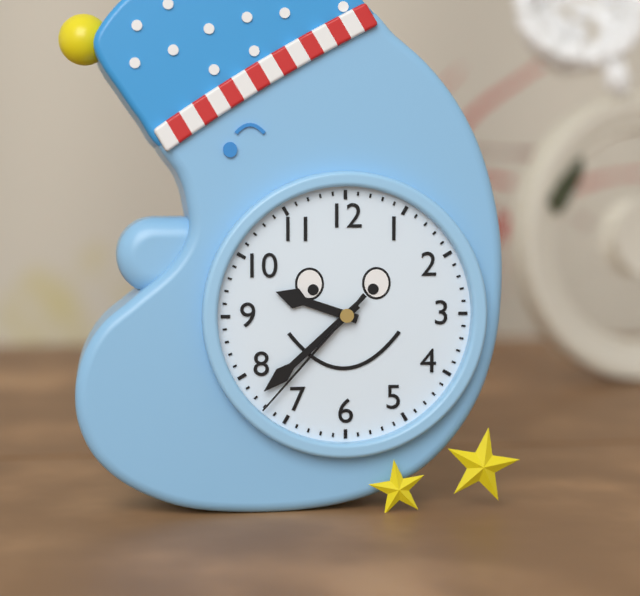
9 h 38 min 37 s
